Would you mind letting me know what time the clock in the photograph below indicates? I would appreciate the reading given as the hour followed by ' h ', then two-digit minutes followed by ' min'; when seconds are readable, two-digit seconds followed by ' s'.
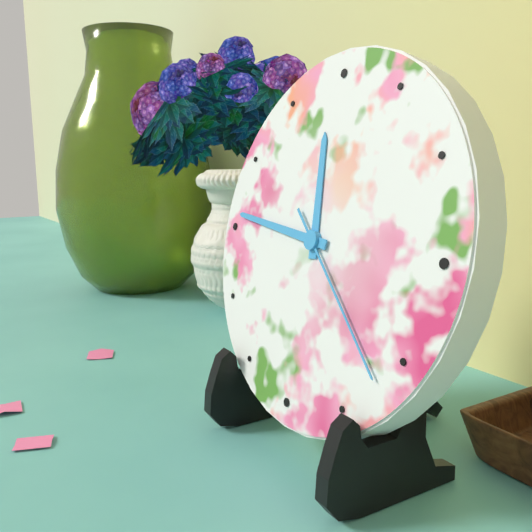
11 h 46 min 22 s
